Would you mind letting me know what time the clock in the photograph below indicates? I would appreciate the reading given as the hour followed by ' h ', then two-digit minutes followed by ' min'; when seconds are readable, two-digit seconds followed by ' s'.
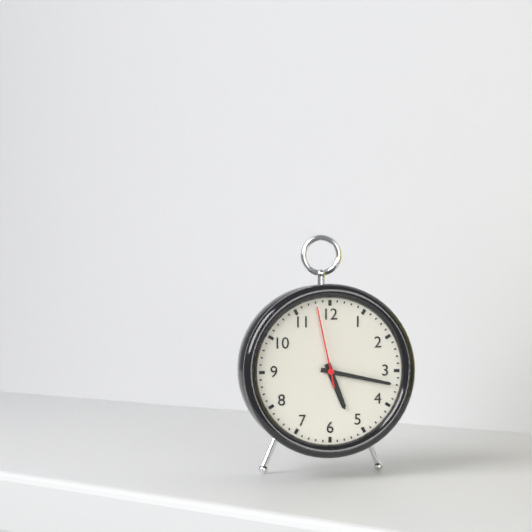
5 h 17 min 58 s
